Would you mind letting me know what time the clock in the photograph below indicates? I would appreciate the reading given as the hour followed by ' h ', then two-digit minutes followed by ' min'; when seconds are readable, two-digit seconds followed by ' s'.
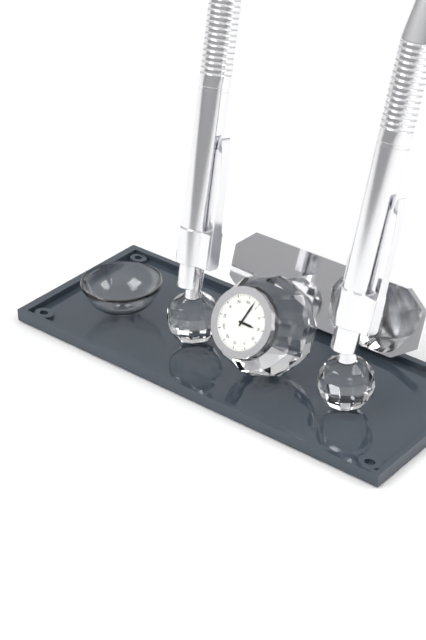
3 h 03 min
